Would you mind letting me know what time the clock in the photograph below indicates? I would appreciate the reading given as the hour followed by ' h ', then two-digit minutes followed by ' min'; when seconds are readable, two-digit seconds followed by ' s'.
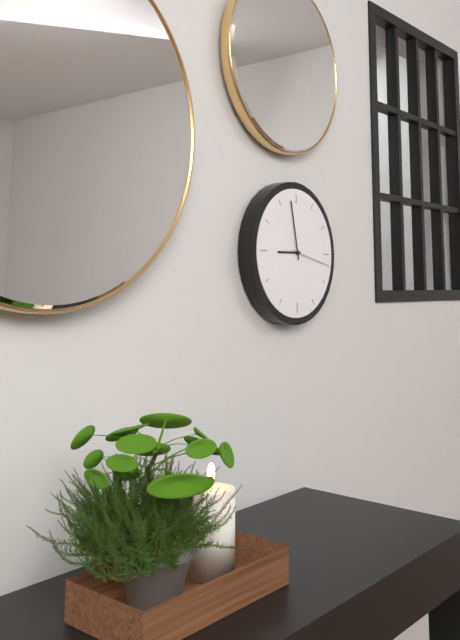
8 h 58 min
